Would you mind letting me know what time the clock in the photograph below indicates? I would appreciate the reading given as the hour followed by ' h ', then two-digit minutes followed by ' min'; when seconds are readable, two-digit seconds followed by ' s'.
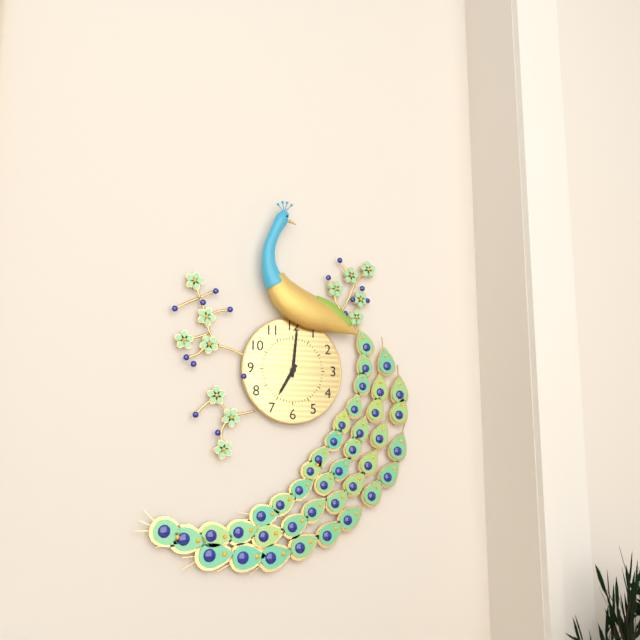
7 h 01 min
